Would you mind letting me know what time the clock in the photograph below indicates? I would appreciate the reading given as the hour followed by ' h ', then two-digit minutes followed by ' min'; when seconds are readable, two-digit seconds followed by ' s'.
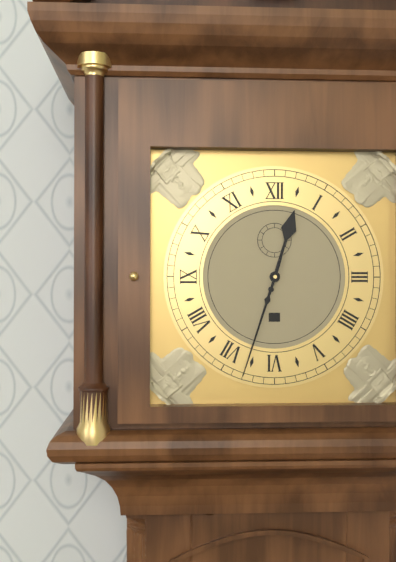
12 h 33 min
